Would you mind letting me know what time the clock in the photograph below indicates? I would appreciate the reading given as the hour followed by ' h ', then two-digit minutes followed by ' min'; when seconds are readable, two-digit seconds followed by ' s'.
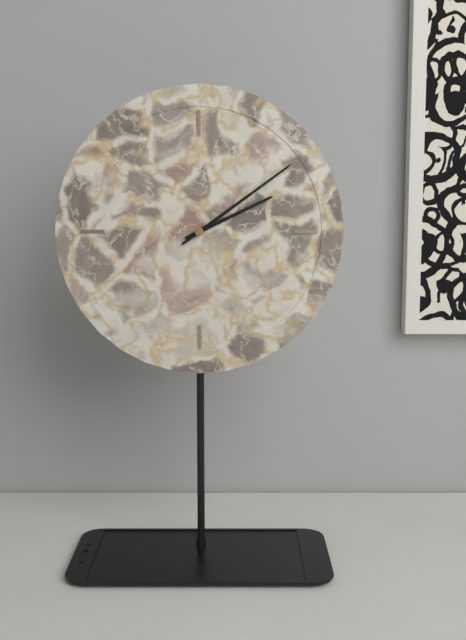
2 h 09 min
